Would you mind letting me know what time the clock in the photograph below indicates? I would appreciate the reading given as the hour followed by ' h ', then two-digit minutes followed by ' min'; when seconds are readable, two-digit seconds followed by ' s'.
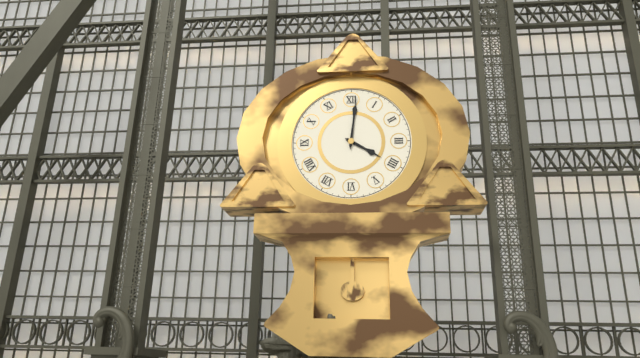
4 h 01 min
